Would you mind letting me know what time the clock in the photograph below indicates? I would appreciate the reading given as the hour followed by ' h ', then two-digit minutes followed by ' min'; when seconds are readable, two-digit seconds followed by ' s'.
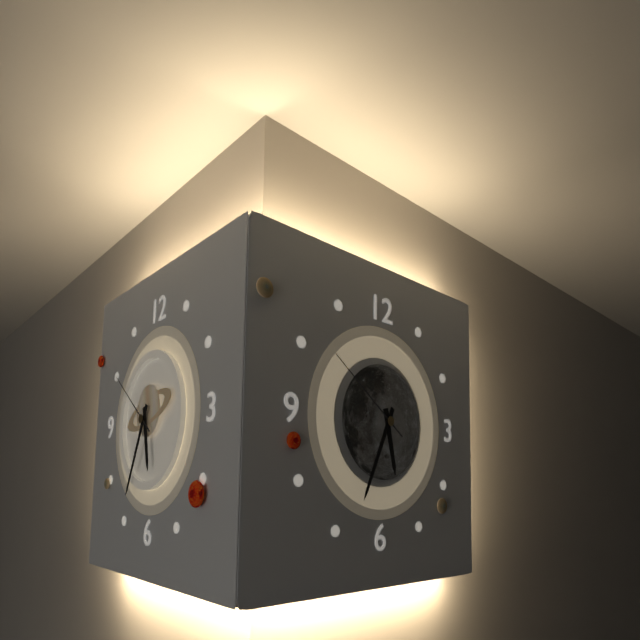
5 h 34 min 51 s
